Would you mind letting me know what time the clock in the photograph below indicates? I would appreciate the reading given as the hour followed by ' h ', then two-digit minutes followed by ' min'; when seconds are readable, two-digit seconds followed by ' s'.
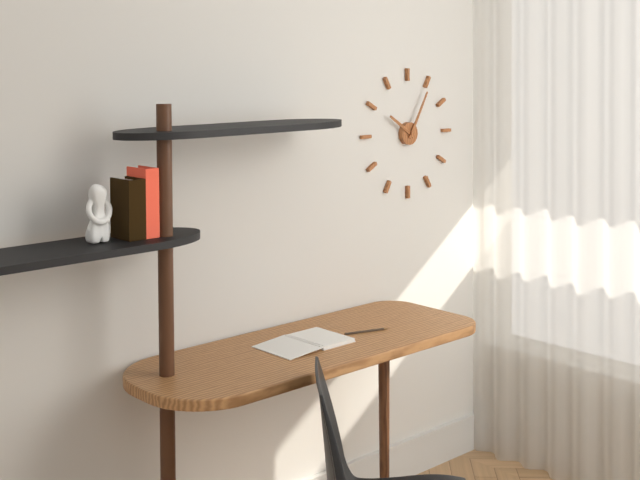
10 h 05 min
